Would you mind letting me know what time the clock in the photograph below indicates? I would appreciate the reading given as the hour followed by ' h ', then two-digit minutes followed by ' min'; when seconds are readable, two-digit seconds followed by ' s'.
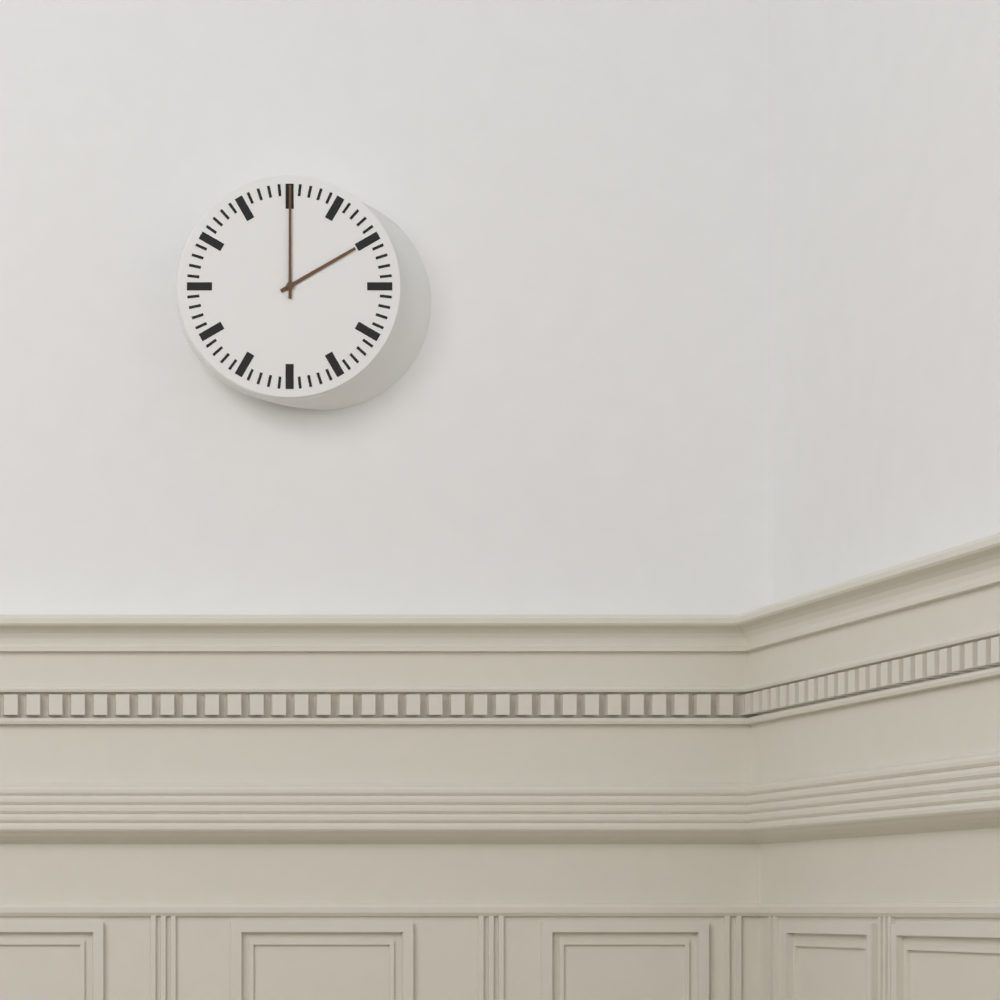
2 h 00 min
